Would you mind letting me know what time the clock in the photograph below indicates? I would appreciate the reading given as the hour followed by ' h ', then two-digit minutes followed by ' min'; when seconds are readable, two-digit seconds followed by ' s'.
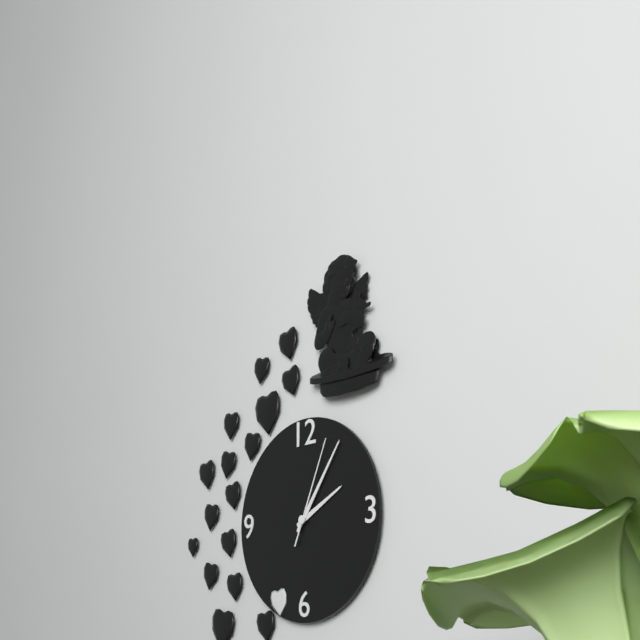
2 h 06 min 04 s
